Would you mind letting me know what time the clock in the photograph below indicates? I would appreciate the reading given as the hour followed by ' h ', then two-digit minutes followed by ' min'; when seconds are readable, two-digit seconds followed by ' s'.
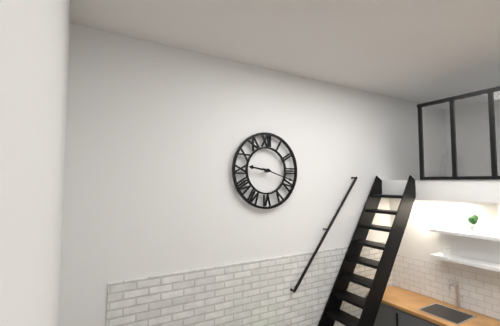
9 h 18 min
